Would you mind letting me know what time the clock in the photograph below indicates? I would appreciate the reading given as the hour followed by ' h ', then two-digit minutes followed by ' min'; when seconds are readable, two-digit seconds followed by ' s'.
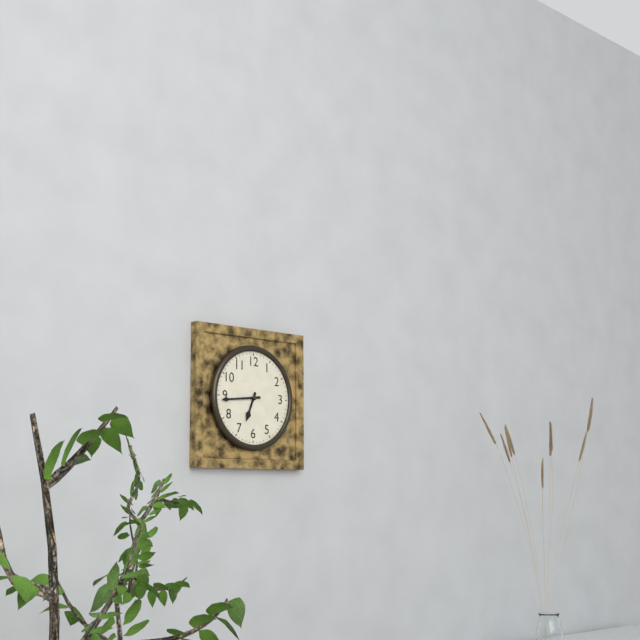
6 h 44 min
